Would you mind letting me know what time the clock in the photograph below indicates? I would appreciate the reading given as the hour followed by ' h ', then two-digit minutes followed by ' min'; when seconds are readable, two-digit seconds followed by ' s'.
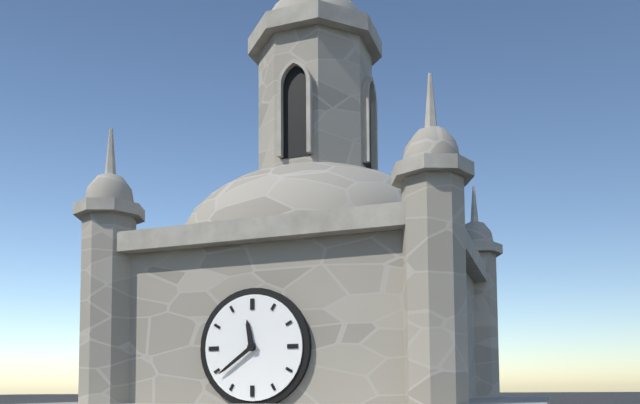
11 h 39 min
